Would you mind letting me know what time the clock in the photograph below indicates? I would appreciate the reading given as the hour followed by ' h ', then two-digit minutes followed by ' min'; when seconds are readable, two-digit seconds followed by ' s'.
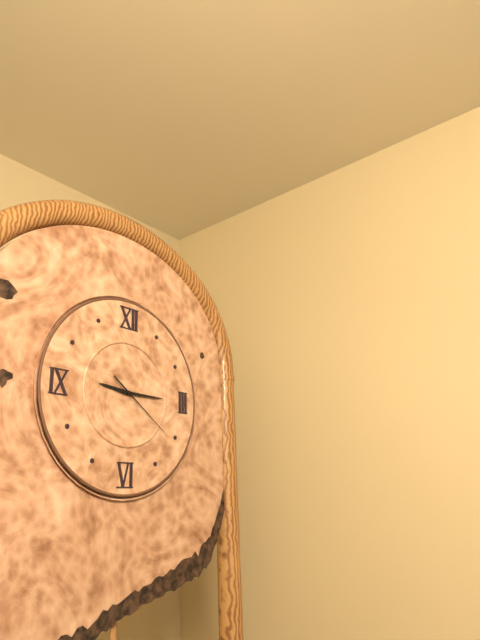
9 h 15 min 21 s
